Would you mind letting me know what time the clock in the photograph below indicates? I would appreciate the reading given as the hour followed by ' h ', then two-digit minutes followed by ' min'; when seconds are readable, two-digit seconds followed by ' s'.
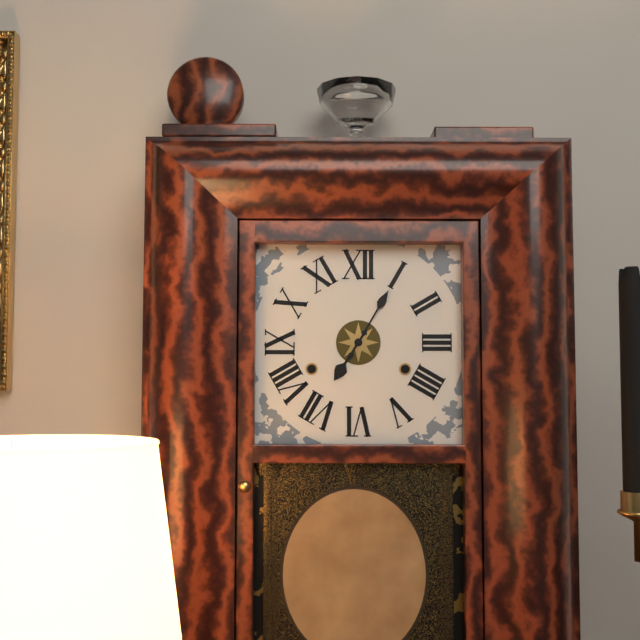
7 h 05 min
